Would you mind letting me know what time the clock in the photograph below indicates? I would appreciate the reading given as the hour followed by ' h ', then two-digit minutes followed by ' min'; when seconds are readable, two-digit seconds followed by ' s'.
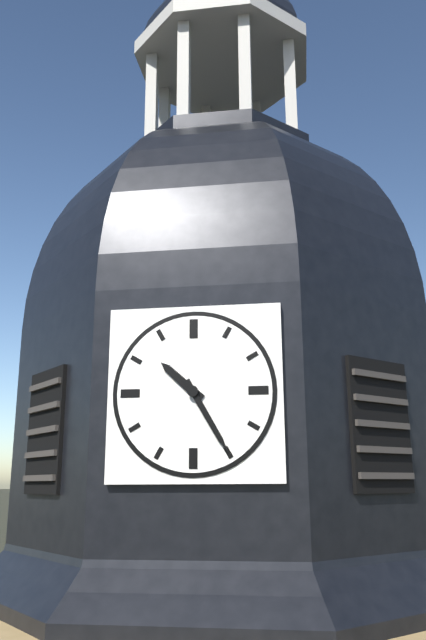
10 h 25 min
